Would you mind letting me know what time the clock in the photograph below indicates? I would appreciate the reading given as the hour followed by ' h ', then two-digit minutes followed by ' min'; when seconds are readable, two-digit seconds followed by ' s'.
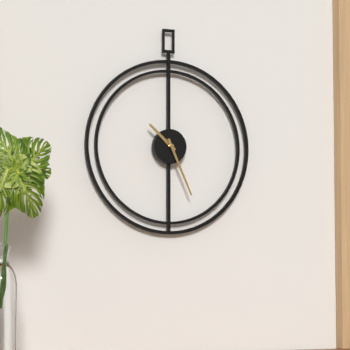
10 h 26 min
